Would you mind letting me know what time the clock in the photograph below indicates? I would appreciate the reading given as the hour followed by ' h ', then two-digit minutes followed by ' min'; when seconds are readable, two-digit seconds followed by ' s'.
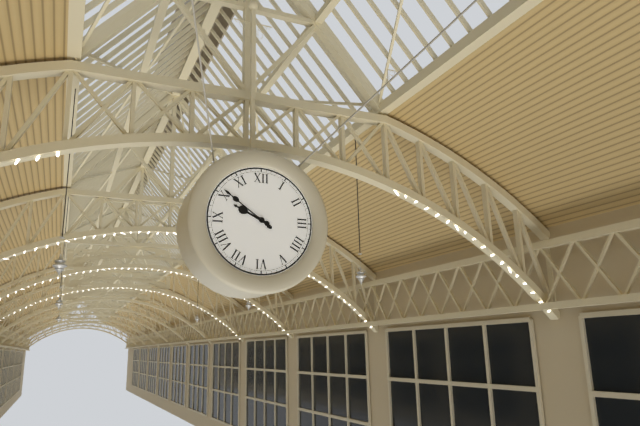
9 h 51 min
